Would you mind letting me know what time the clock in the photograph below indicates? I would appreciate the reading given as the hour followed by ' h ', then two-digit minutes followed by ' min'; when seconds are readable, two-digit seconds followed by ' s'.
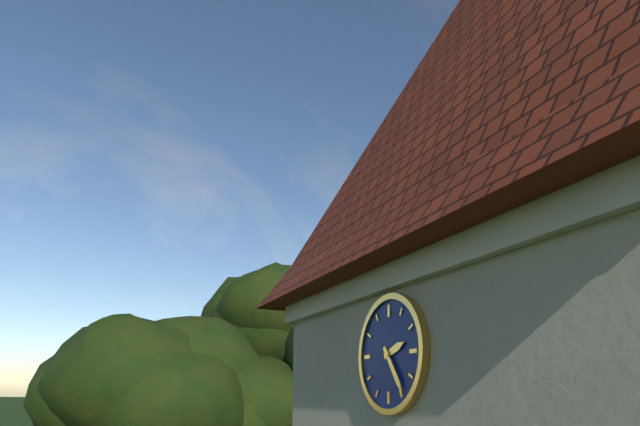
2 h 24 min
